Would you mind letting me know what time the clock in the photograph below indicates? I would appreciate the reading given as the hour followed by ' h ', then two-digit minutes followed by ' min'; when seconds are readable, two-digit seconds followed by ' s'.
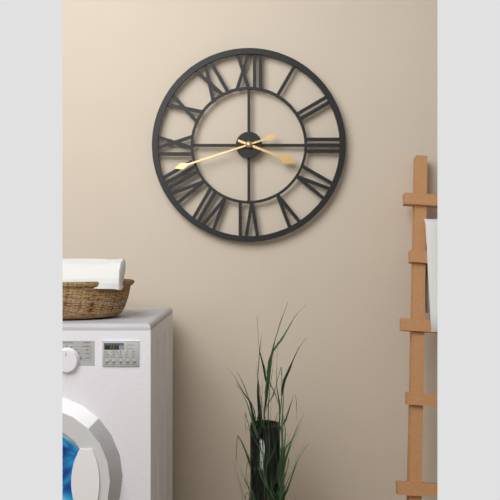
3 h 42 min
